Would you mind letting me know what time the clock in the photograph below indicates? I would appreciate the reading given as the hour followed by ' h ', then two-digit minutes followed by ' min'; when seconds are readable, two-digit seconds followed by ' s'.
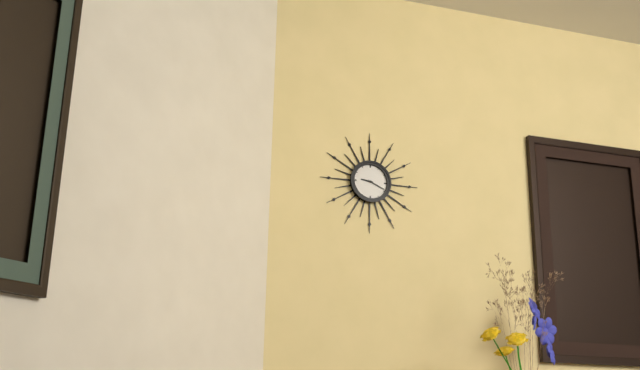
9 h 19 min
